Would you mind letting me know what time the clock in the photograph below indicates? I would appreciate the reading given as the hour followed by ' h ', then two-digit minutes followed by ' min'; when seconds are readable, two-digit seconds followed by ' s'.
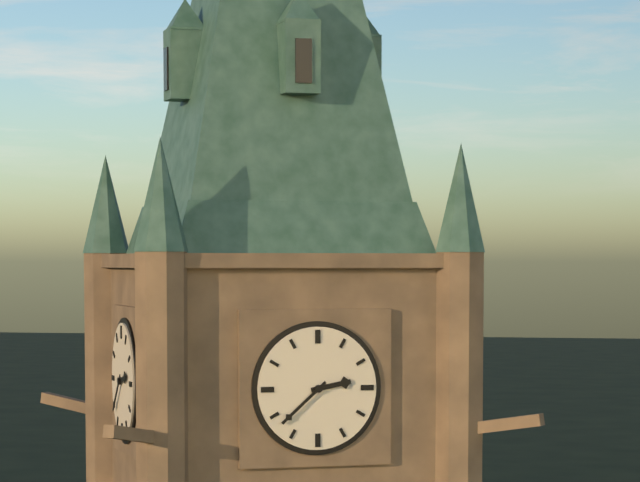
2 h 38 min
